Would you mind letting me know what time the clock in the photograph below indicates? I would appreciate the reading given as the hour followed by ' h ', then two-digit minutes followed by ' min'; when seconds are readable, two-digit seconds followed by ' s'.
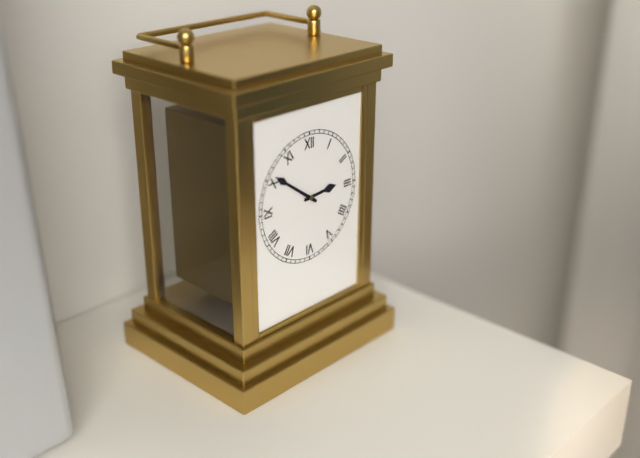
2 h 51 min
